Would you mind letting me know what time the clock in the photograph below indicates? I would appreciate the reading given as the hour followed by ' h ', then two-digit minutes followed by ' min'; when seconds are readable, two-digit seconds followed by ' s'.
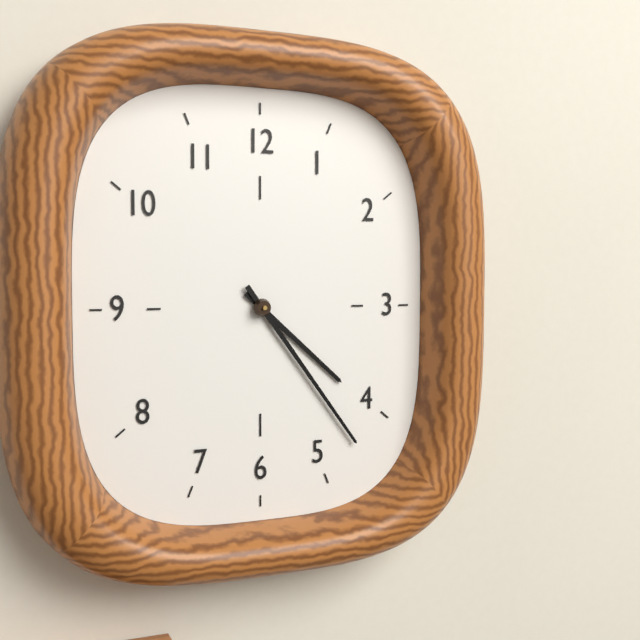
4 h 24 min
